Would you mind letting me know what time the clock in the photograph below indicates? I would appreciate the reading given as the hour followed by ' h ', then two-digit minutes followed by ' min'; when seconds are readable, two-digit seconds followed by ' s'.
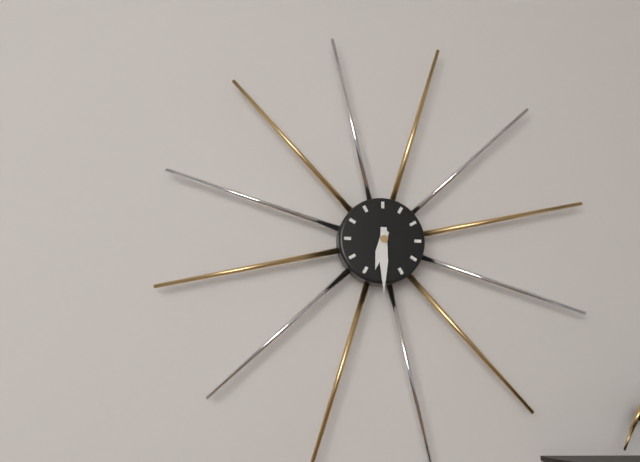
6 h 30 min
